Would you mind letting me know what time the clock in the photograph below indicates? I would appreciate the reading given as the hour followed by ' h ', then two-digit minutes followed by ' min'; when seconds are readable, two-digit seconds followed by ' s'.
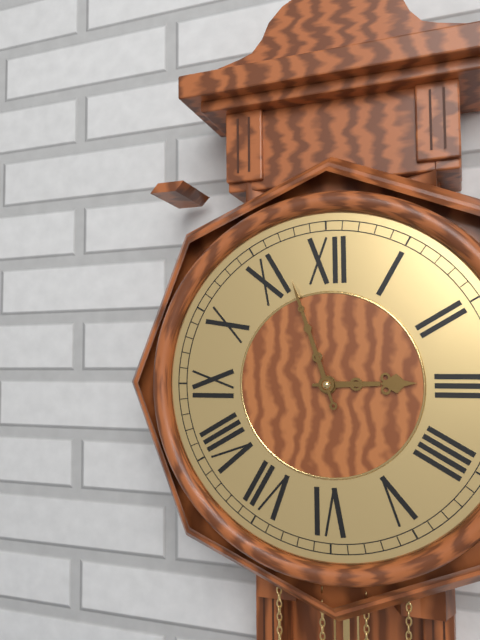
2 h 57 min
